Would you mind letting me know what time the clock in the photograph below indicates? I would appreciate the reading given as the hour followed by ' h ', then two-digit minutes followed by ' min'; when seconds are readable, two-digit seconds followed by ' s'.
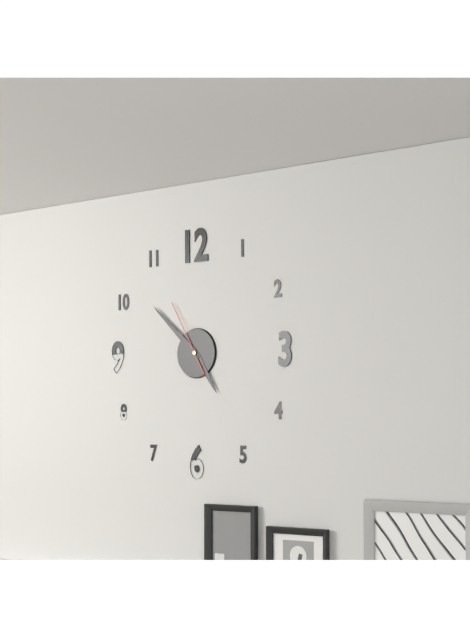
4 h 52 min 55 s
